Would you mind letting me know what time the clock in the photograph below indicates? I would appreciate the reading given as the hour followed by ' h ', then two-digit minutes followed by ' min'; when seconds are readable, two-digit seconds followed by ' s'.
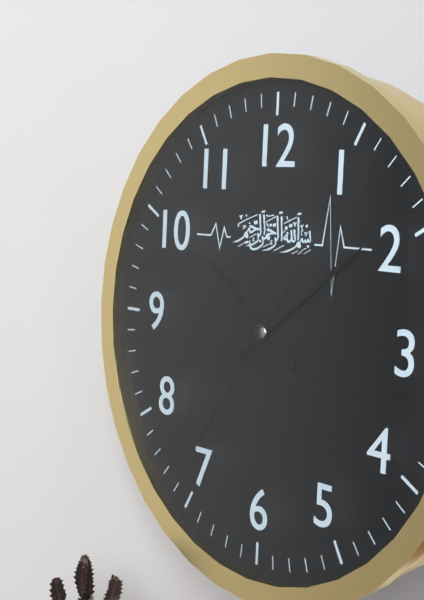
10 h 09 min 36 s
